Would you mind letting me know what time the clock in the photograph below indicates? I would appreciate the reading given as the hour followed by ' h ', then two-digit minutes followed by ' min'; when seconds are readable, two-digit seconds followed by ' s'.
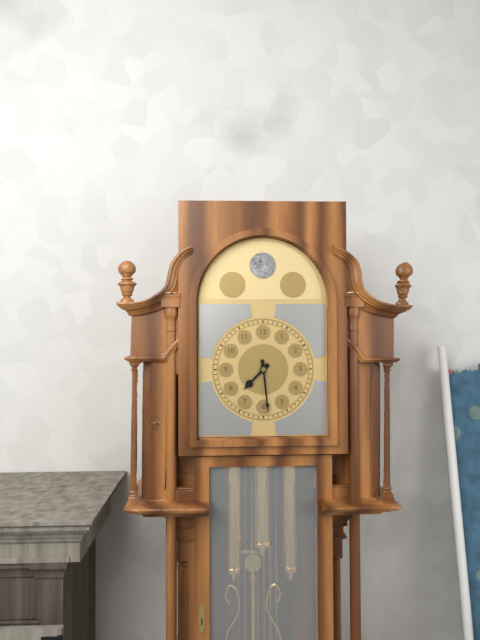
7 h 29 min
